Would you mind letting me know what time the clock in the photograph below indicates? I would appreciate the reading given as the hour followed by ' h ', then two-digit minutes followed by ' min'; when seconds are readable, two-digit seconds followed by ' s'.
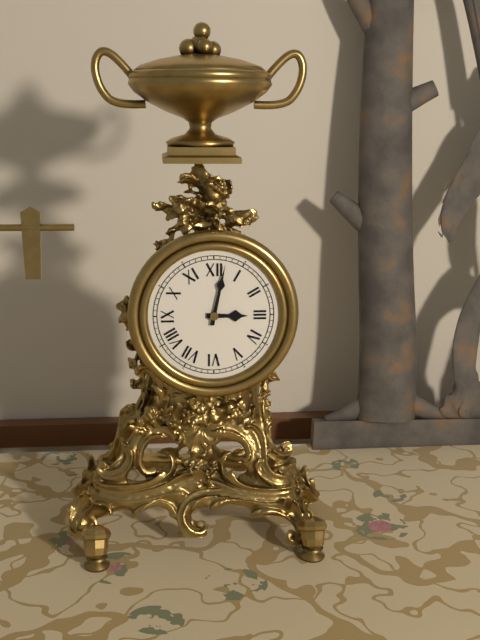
3 h 02 min
